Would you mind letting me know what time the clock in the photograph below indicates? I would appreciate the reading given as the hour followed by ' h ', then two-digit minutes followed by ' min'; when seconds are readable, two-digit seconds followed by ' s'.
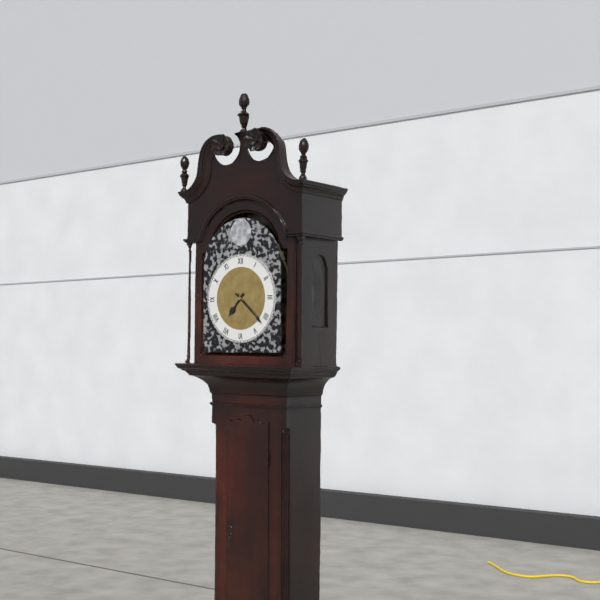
7 h 22 min
